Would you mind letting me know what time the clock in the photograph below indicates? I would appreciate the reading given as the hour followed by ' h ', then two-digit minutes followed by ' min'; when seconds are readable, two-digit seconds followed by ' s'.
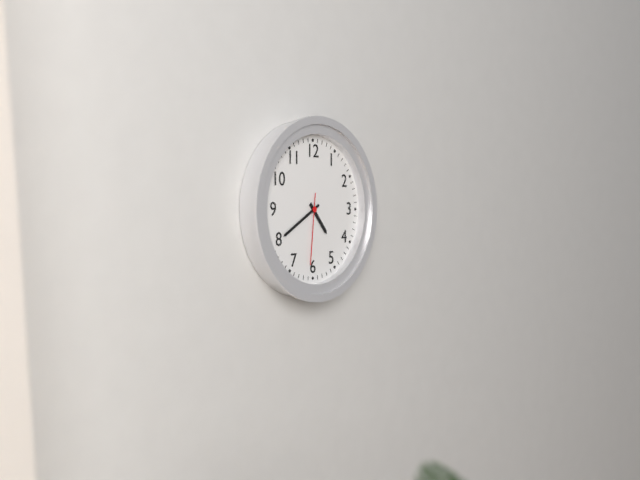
4 h 40 min 31 s
